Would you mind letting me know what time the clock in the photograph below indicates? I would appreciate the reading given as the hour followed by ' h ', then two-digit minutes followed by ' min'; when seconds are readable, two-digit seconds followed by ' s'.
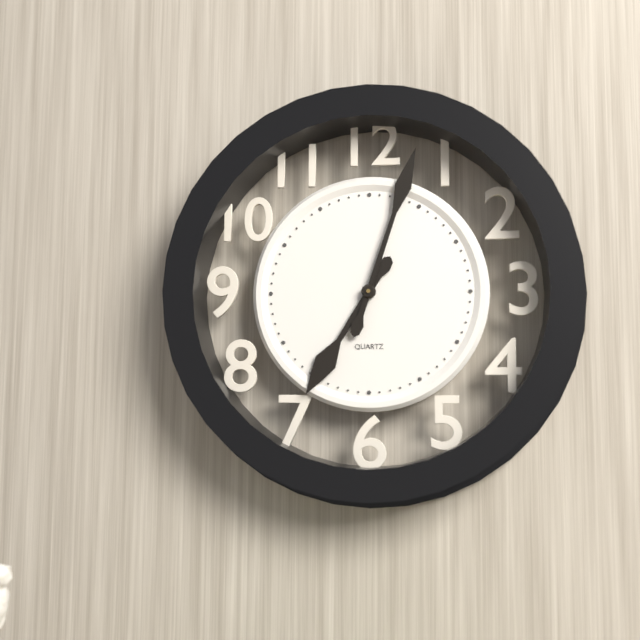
7 h 03 min
